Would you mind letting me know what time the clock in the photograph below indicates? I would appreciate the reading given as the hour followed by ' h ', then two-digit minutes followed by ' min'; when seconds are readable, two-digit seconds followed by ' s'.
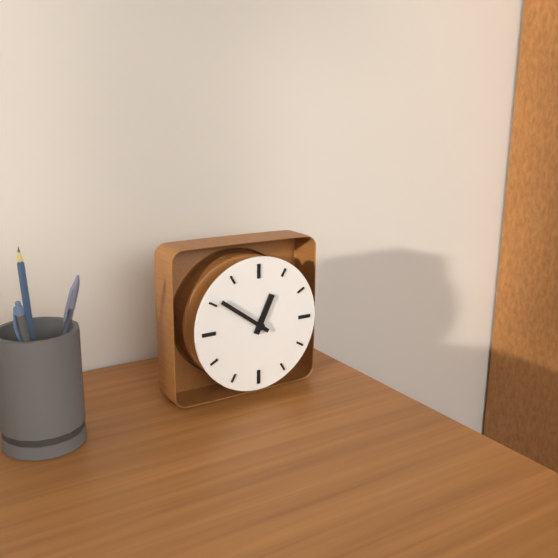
12 h 51 min
